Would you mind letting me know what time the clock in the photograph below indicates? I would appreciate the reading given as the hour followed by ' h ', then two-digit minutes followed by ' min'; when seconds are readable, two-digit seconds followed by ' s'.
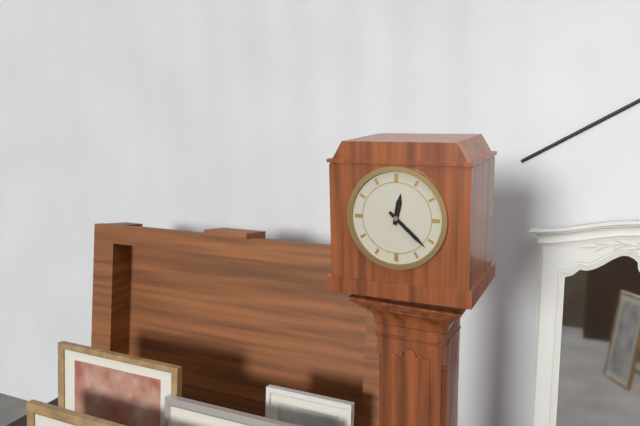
12 h 22 min
